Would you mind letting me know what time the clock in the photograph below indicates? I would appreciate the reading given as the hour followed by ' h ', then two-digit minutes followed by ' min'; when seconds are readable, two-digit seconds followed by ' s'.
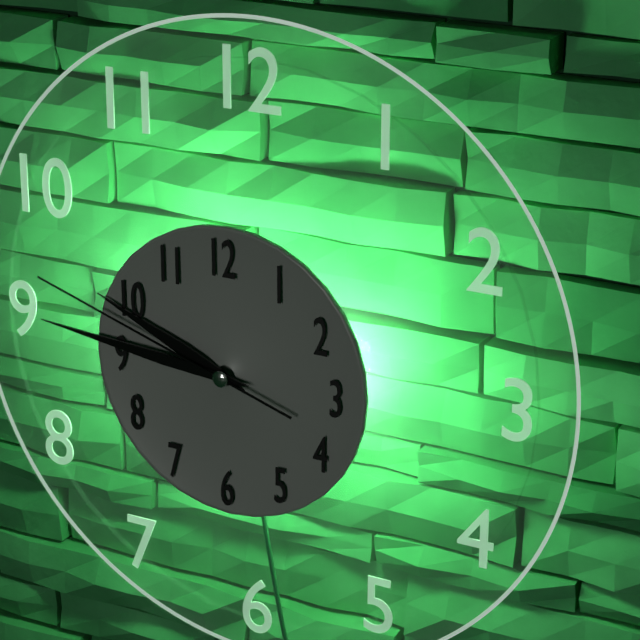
9 h 46 min 48 s
